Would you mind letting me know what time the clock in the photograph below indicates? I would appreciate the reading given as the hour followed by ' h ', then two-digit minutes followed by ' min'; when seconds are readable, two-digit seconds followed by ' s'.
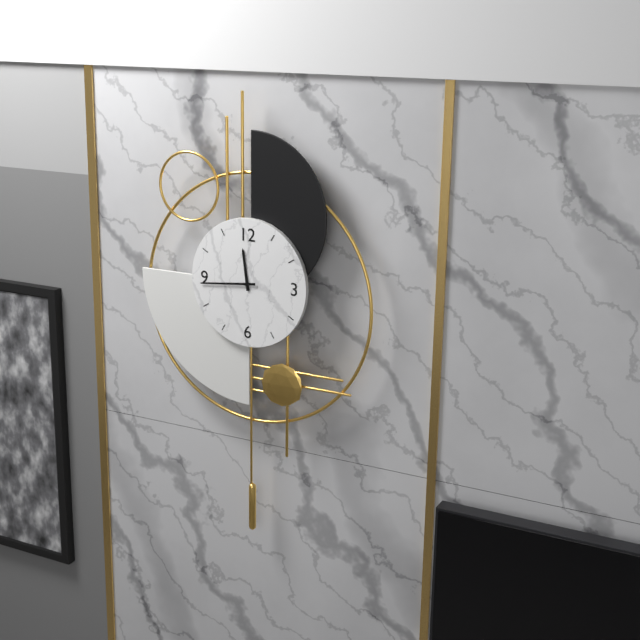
11 h 44 min
